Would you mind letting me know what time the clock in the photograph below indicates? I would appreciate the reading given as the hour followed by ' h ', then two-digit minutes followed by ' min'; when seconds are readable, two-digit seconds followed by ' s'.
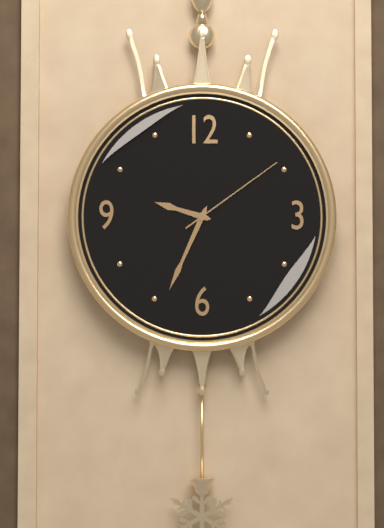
9 h 34 min 09 s
